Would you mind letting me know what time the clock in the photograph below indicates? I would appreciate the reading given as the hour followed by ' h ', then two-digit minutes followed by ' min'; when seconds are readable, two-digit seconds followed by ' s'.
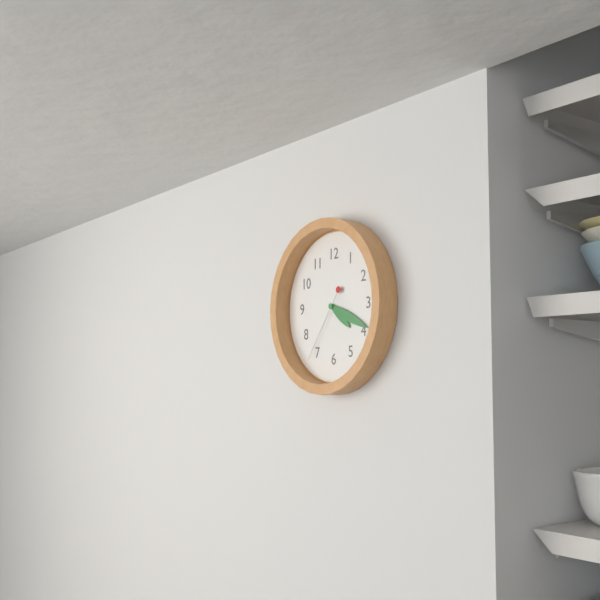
4 h 19 min 36 s
